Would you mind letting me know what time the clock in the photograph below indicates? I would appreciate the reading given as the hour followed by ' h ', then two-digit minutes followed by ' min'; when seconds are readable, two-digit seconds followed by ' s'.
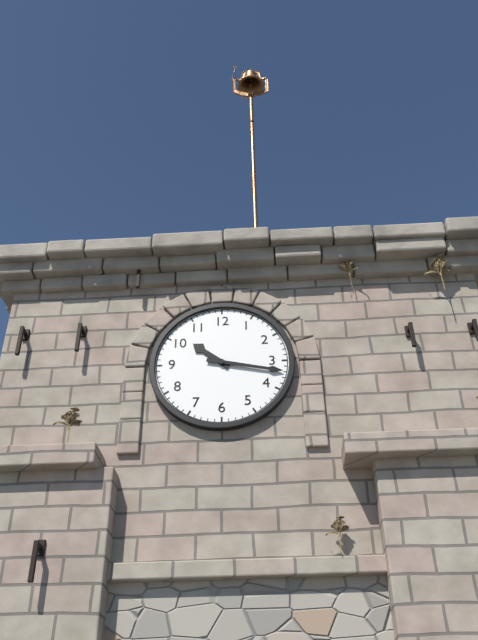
10 h 17 min
